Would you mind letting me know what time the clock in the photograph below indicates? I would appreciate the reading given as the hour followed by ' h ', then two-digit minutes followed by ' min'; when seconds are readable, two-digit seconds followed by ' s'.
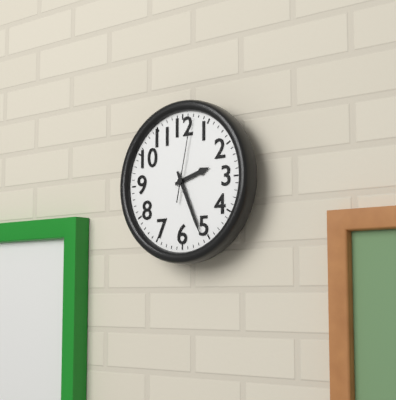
2 h 26 min 02 s
